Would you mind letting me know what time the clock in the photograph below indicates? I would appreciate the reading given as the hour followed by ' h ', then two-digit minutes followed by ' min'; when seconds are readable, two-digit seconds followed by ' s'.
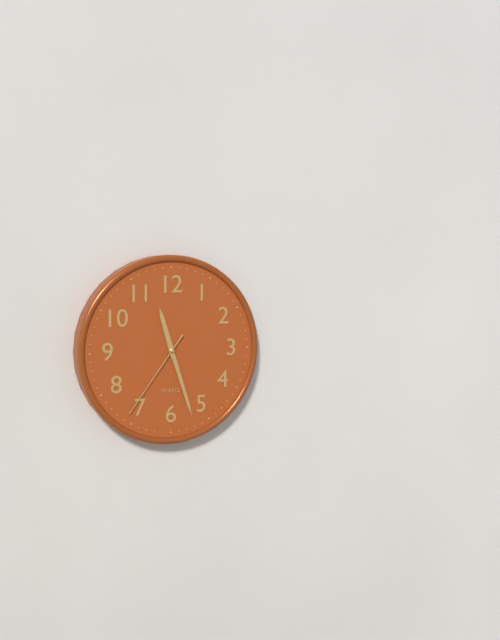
11 h 27 min 36 s
